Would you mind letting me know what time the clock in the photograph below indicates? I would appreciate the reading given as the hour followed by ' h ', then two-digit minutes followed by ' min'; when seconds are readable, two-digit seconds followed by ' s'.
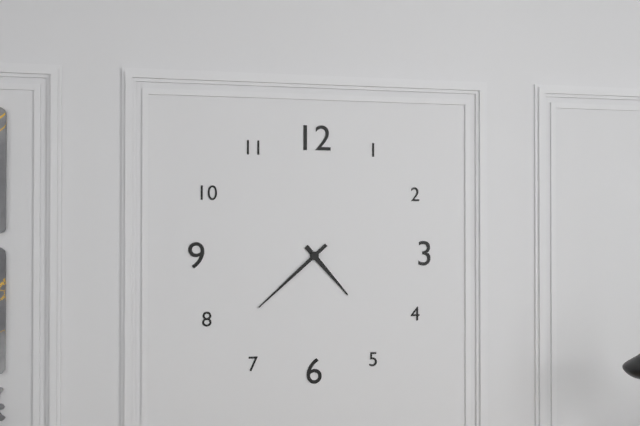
4 h 38 min
